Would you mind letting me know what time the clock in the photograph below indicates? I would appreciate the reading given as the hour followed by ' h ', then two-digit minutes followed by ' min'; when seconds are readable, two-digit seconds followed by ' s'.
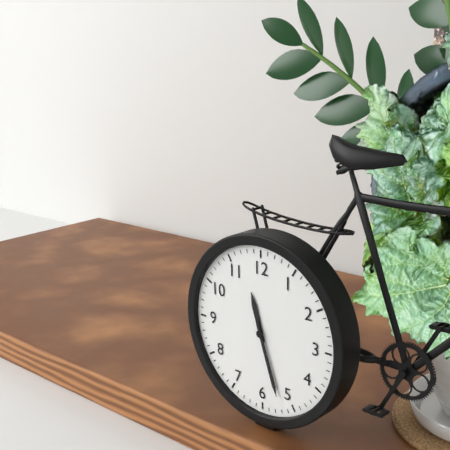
11 h 27 min
